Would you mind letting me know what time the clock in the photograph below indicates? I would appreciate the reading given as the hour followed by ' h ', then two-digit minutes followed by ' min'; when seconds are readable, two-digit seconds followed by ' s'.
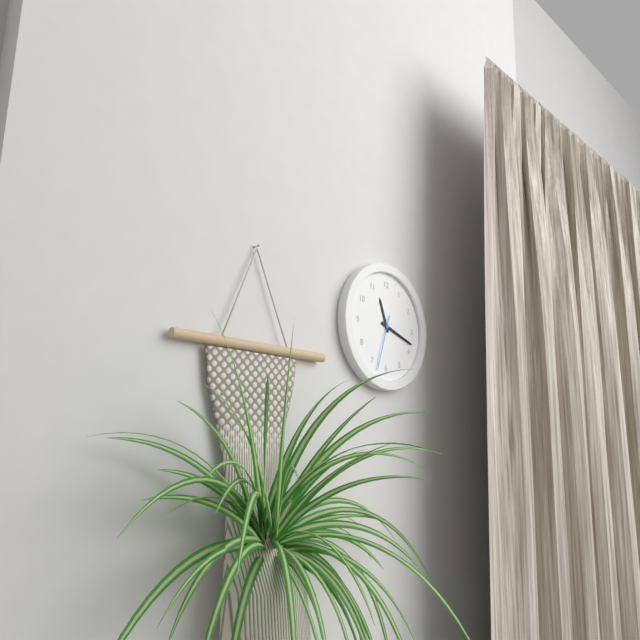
11 h 18 min 33 s
